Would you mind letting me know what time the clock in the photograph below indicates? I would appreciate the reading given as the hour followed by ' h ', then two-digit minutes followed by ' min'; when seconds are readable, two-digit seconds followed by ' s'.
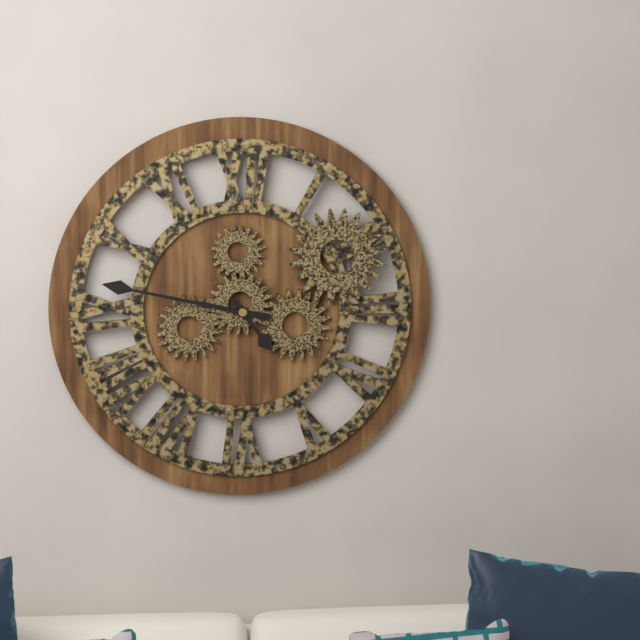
4 h 47 min
